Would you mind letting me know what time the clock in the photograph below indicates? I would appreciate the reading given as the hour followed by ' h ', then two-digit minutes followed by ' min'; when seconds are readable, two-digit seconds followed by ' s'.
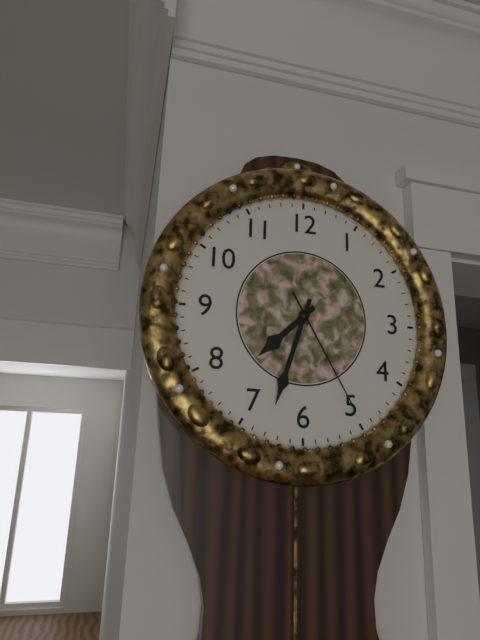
7 h 33 min 25 s
